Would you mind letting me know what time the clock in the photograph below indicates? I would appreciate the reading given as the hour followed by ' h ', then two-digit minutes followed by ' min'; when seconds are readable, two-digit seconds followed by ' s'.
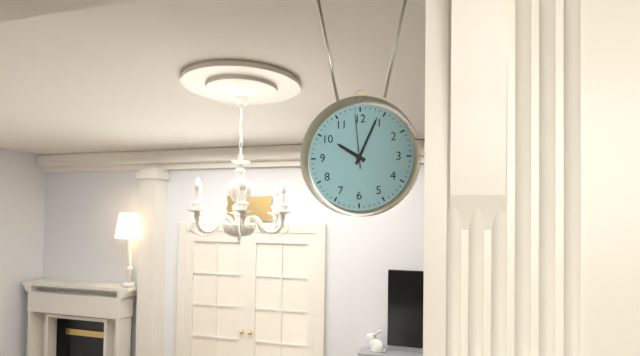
10 h 04 min 59 s
